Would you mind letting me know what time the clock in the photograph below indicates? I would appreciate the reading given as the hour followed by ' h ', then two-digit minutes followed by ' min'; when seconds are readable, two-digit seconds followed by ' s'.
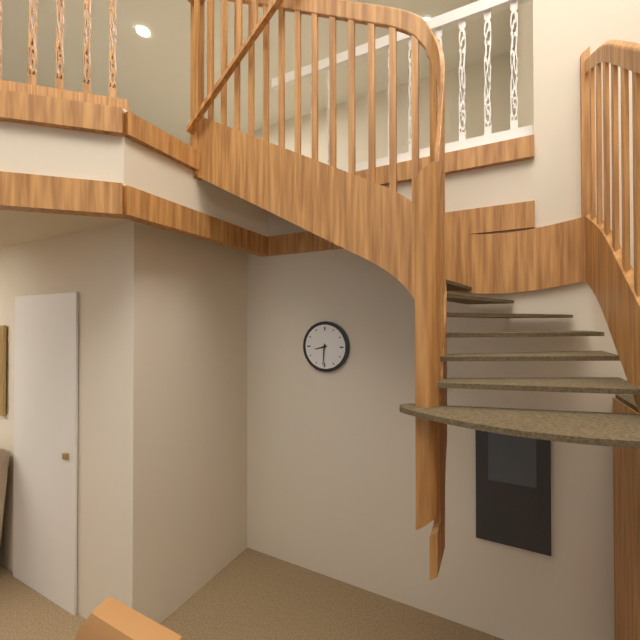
8 h 31 min
